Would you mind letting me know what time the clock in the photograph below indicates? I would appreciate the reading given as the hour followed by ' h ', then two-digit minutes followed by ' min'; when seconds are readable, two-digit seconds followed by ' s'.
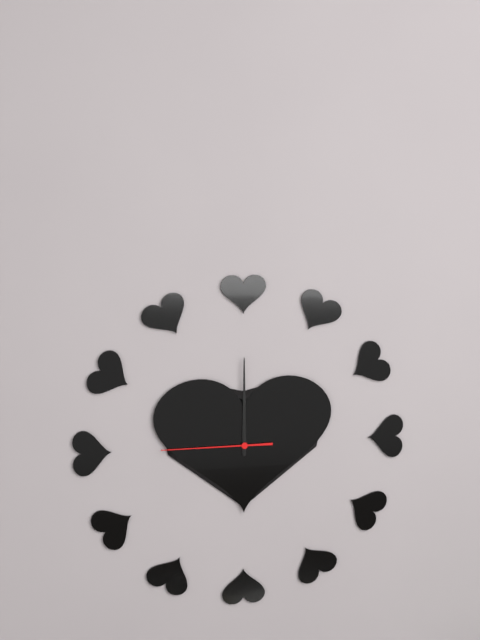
12 h 00 min 45 s
